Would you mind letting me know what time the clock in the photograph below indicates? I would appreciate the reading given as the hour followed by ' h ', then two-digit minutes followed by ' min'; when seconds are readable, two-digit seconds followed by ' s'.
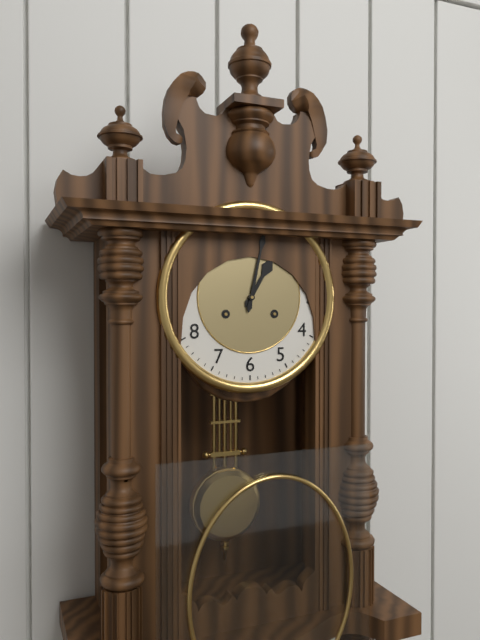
1 h 02 min
